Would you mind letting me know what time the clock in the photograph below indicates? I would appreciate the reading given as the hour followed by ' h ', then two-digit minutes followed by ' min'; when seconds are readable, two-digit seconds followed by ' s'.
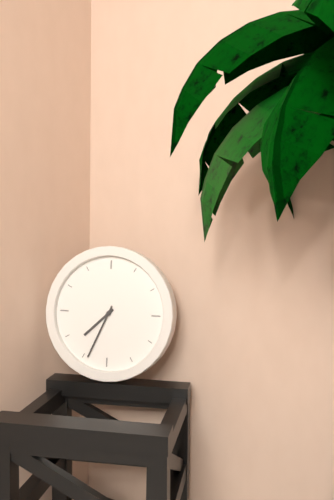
7 h 34 min
